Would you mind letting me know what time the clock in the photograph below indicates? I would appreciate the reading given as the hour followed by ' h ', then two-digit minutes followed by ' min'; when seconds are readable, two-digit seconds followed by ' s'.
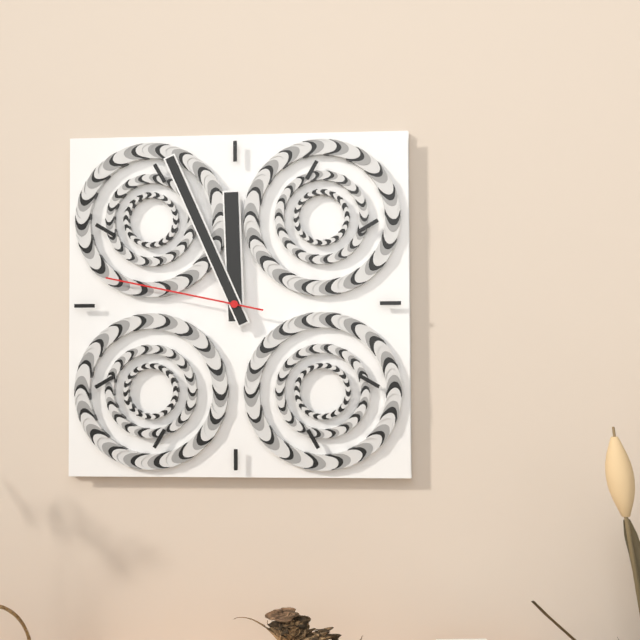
11 h 56 min 47 s
